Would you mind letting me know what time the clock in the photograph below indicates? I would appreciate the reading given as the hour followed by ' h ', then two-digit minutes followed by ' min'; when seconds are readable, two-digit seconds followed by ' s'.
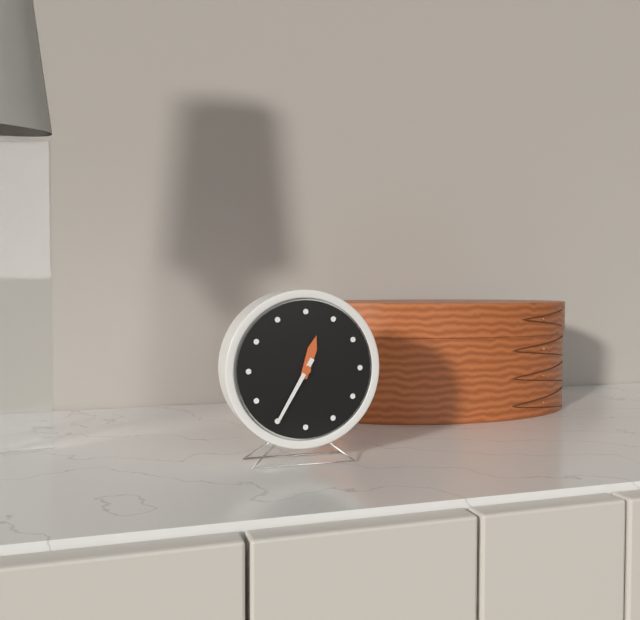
12 h 35 min
